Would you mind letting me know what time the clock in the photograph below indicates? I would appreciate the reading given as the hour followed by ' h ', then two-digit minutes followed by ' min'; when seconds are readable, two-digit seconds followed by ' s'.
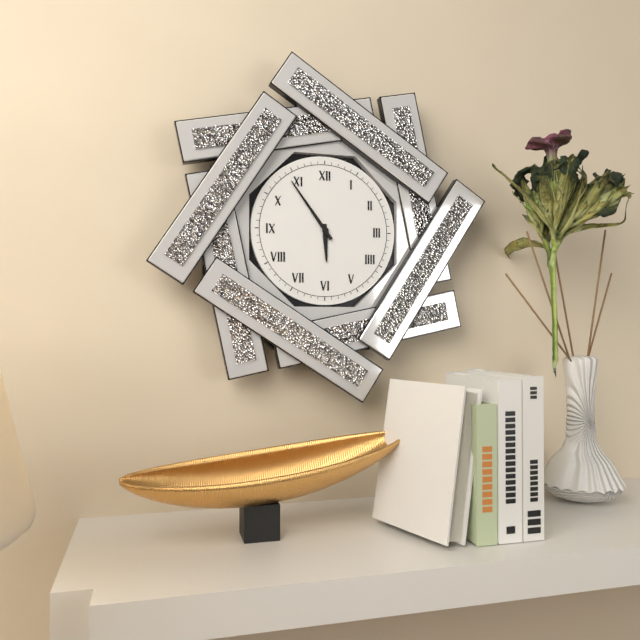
5 h 54 min
